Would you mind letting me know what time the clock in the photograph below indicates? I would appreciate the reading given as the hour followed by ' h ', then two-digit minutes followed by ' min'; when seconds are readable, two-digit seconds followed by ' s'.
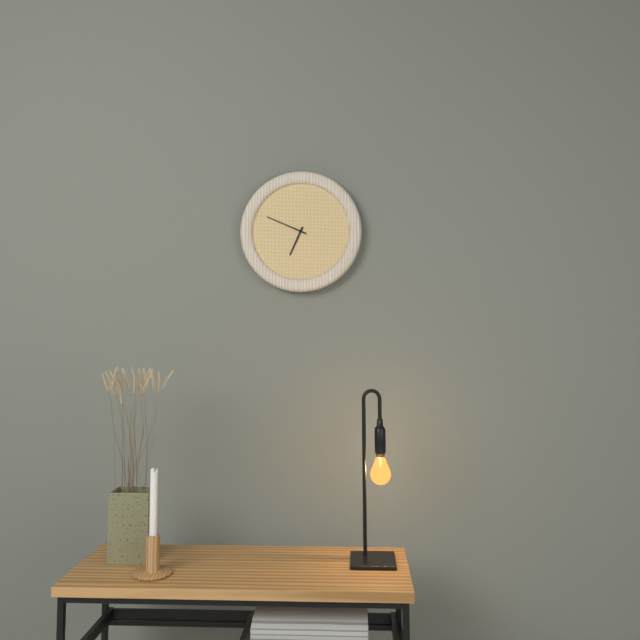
6 h 49 min
